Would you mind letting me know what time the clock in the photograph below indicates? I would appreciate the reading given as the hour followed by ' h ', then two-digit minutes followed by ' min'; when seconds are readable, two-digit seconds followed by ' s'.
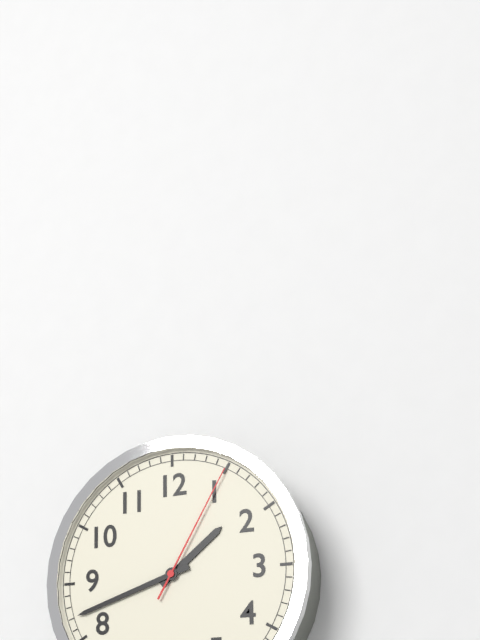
1 h 42 min 05 s
